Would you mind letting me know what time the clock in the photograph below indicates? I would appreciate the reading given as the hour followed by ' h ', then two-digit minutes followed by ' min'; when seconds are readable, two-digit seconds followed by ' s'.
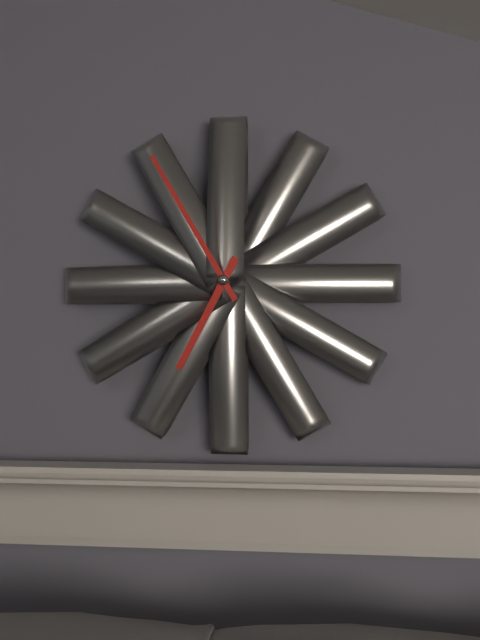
6 h 55 min
